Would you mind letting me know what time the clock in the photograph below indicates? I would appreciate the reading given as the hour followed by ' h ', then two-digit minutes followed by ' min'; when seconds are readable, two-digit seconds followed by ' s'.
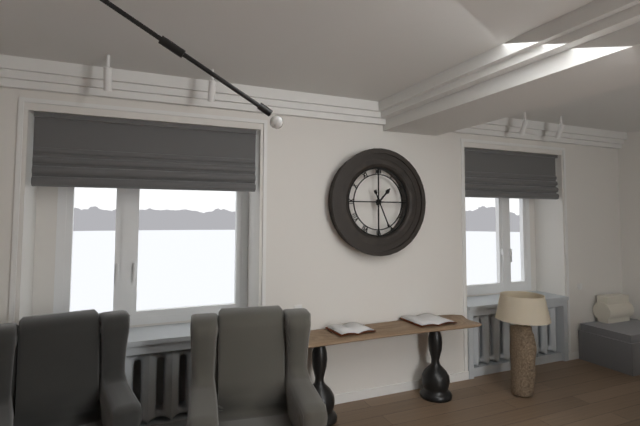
1 h 26 min
